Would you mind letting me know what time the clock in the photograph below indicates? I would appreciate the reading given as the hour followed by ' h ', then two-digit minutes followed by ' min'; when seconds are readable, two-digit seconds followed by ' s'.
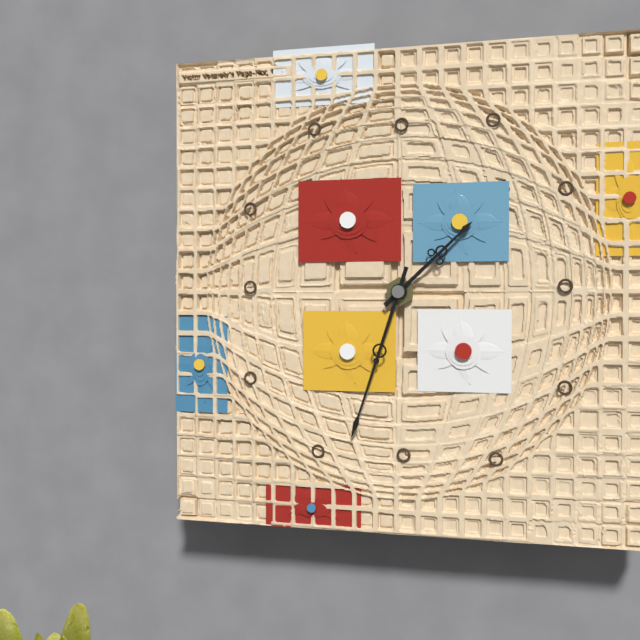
1 h 33 min
